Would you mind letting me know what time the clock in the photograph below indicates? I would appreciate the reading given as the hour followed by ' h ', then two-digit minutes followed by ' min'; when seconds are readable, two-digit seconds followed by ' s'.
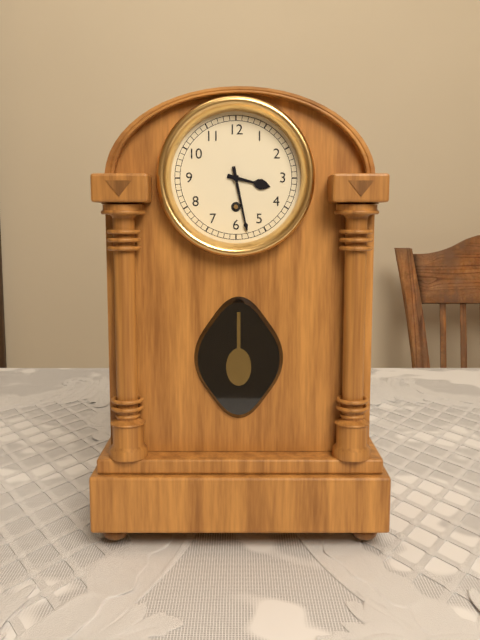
3 h 28 min
